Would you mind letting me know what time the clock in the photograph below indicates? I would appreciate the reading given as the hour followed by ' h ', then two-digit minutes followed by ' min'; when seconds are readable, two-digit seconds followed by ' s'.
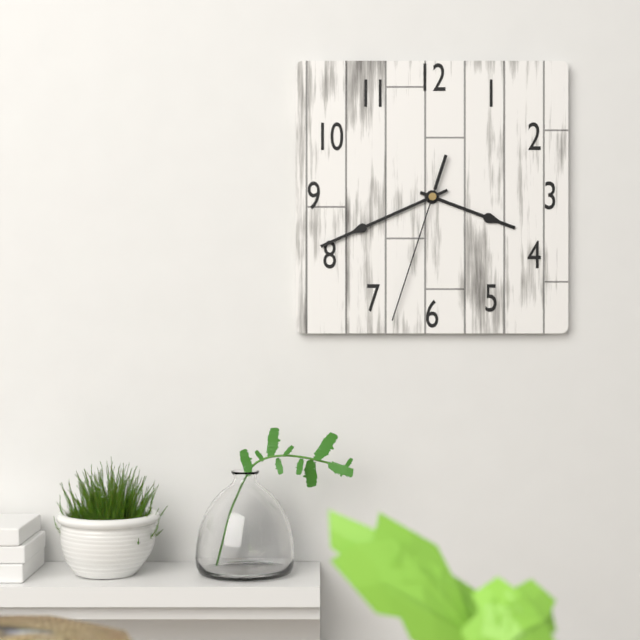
3 h 41 min 33 s
